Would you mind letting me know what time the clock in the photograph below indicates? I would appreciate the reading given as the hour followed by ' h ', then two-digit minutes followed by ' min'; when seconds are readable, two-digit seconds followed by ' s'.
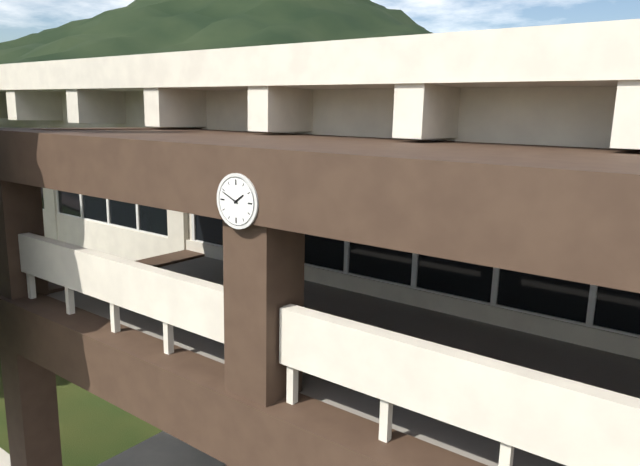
1 h 49 min
